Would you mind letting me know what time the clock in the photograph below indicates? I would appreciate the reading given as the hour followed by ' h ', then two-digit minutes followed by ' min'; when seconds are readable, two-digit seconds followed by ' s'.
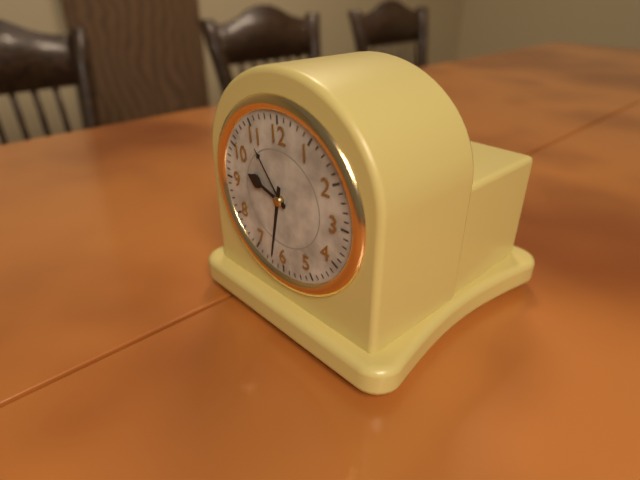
9 h 32 min
